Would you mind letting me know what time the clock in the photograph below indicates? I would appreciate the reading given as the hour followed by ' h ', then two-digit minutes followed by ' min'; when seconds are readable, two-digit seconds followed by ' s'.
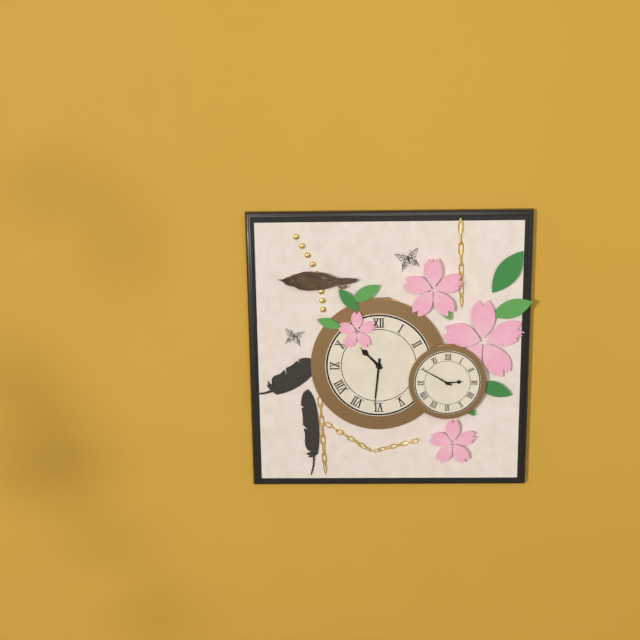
10 h 31 min
